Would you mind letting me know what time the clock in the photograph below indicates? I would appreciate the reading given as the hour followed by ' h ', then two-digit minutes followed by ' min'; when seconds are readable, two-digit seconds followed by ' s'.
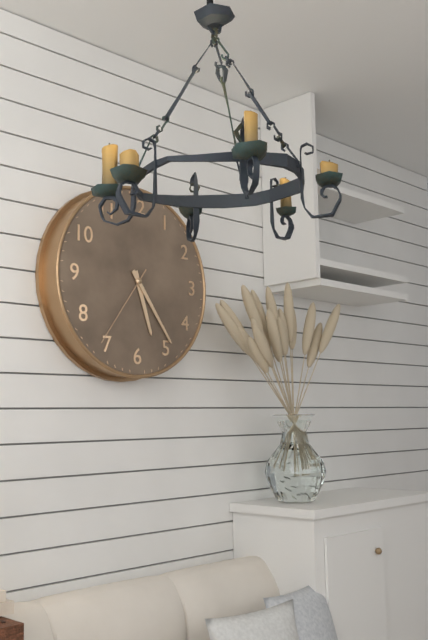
5 h 24 min 36 s
